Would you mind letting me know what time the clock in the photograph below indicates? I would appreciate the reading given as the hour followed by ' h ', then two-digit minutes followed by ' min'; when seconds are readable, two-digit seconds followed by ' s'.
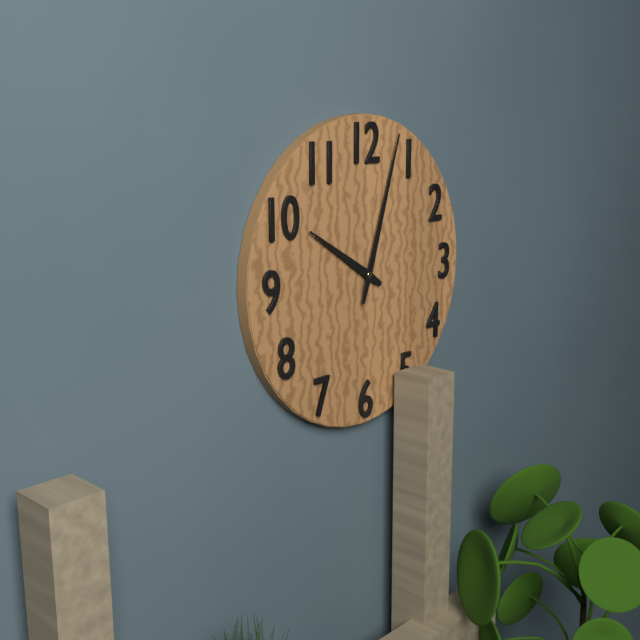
10 h 03 min
